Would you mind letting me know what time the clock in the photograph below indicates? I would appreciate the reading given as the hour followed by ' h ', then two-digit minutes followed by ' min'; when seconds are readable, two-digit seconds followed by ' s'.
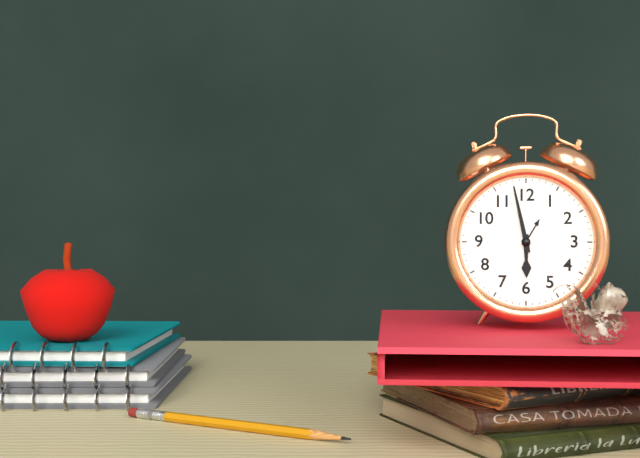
5 h 58 min
